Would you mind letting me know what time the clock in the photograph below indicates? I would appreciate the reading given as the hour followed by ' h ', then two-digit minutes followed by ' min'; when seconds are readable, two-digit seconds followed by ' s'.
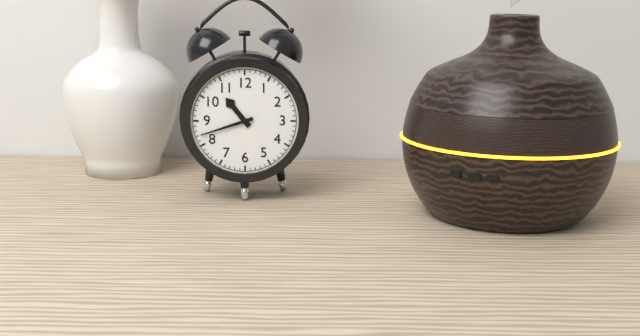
10 h 42 min
